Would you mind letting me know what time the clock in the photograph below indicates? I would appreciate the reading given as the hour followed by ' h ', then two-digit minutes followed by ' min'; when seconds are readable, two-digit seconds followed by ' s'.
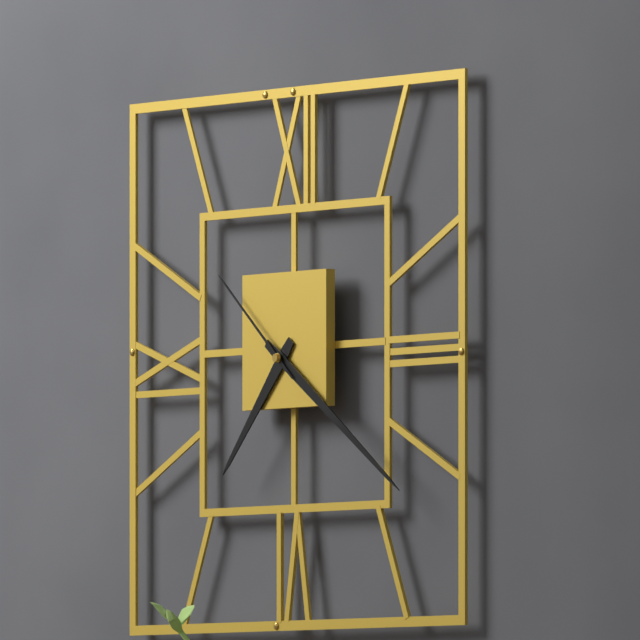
7 h 21 min 52 s
